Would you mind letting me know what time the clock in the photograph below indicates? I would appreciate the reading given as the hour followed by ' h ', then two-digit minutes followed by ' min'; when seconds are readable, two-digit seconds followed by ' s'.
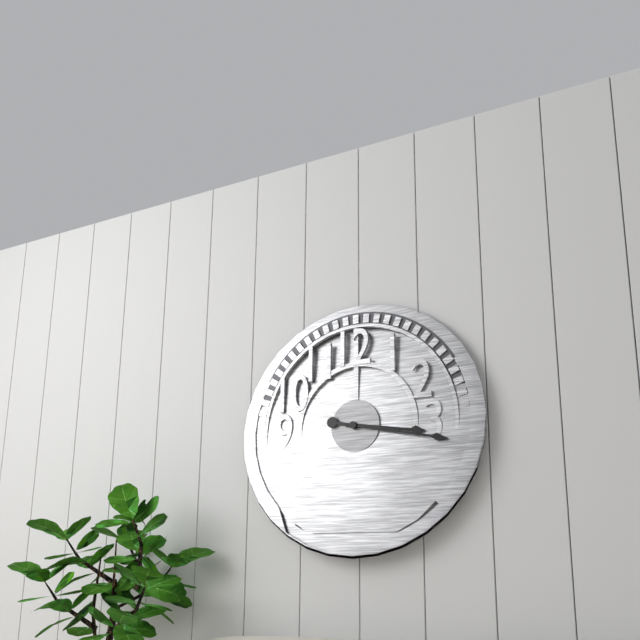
3 h 17 min
